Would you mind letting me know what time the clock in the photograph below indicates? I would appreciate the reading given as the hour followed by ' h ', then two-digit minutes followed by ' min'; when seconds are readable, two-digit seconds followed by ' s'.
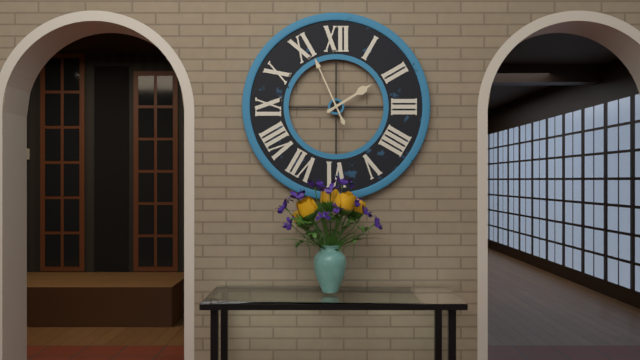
1 h 56 min
